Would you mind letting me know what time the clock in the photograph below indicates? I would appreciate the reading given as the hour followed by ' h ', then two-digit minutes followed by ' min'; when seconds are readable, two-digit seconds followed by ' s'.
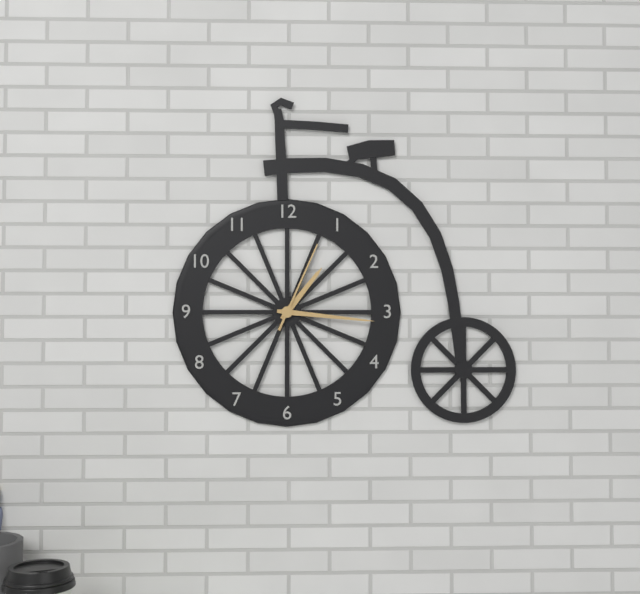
1 h 16 min 04 s
